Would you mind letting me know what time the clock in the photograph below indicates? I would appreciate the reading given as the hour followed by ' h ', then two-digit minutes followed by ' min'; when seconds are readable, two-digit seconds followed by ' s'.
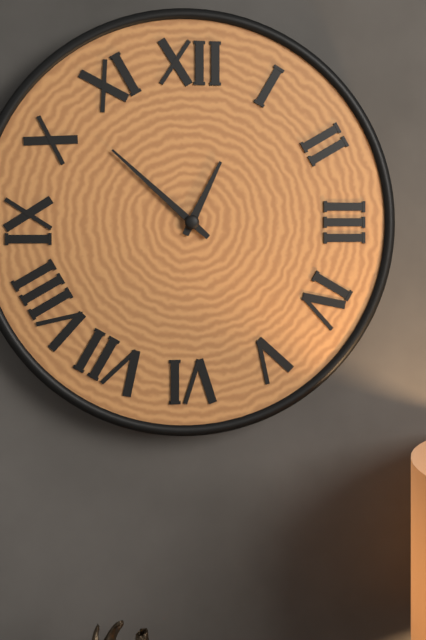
12 h 52 min
